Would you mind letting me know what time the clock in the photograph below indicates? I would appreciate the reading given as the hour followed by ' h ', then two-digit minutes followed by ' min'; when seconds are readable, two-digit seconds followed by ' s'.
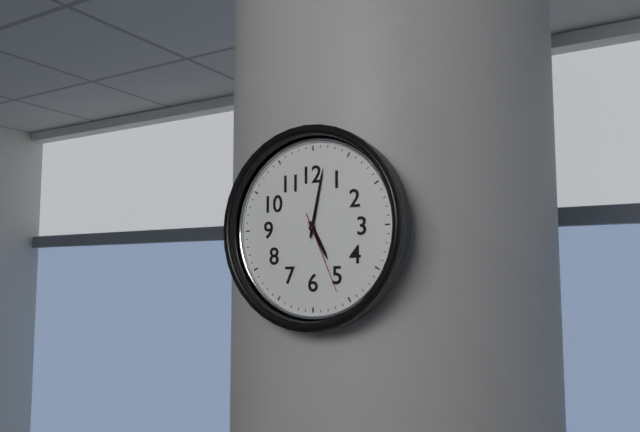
5 h 02 min 26 s
